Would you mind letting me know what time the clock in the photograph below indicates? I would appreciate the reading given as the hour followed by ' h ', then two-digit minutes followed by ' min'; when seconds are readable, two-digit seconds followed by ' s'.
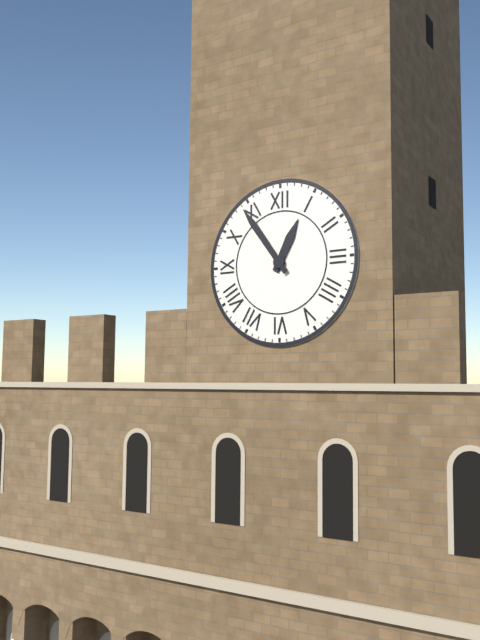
12 h 54 min
